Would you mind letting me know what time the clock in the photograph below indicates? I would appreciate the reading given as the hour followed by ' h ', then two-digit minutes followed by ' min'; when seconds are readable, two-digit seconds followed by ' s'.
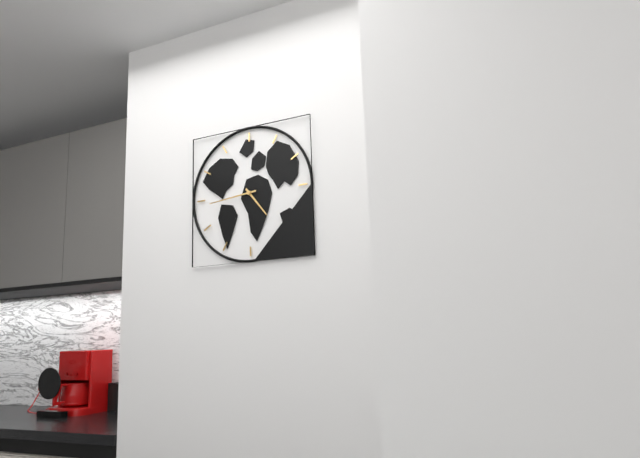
4 h 44 min
